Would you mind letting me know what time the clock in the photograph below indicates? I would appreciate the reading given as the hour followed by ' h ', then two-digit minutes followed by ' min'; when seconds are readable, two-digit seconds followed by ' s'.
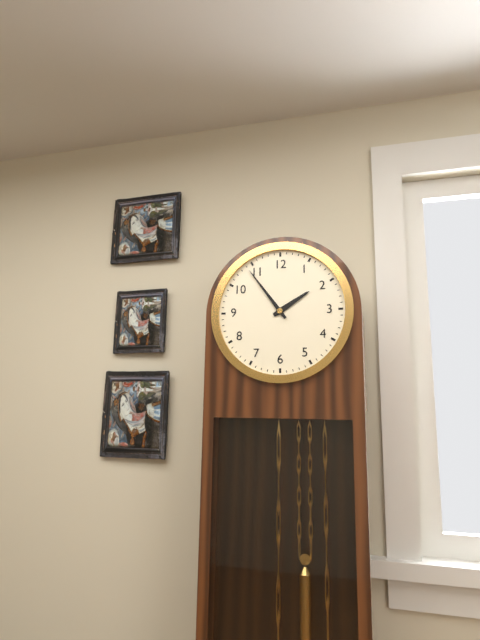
1 h 54 min
